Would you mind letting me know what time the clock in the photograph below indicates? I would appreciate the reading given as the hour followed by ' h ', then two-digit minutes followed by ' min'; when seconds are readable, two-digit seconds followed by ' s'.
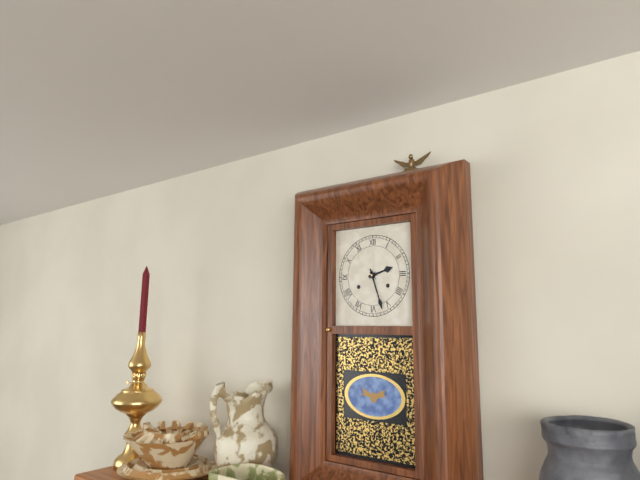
2 h 27 min
